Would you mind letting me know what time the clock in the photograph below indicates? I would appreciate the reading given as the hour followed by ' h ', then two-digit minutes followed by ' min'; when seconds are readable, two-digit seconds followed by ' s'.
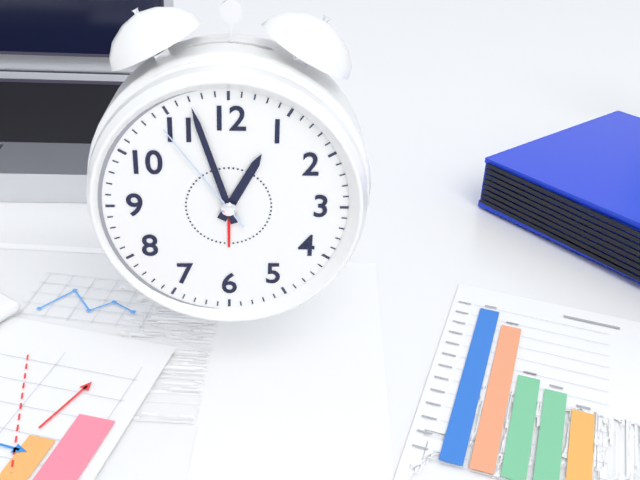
12 h 57 min 54 s
